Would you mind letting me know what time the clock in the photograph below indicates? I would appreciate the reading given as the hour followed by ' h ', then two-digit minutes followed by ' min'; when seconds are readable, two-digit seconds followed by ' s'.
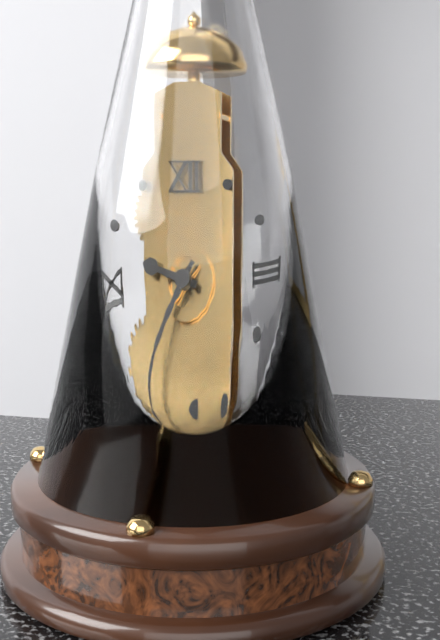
9 h 36 min
